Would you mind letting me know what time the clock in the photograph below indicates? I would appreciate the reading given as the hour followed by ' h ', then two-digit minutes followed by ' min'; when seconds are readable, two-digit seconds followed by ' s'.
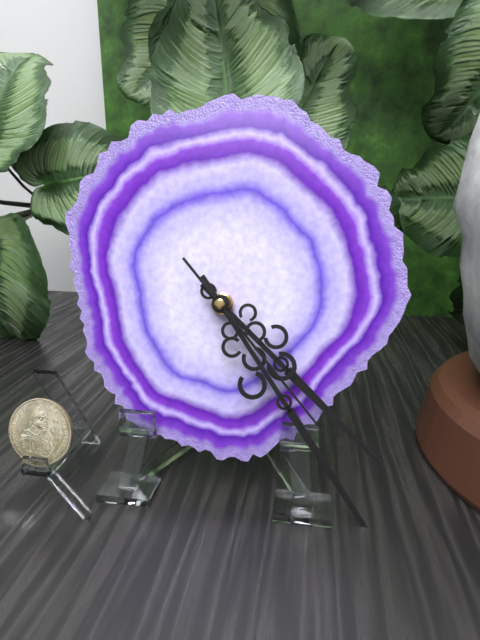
4 h 24 min 23 s
